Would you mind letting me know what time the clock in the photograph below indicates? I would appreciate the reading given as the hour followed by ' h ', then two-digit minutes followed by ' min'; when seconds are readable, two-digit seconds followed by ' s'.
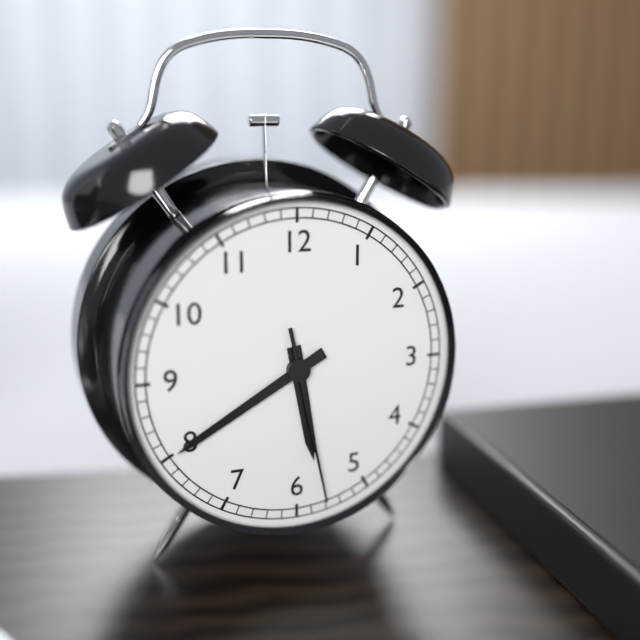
5 h 40 min 28 s
